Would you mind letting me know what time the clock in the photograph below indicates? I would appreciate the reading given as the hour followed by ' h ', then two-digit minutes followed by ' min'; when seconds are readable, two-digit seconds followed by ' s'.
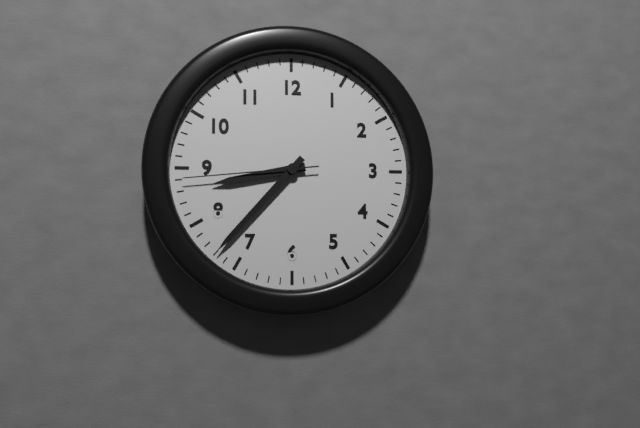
8 h 37 min 44 s
